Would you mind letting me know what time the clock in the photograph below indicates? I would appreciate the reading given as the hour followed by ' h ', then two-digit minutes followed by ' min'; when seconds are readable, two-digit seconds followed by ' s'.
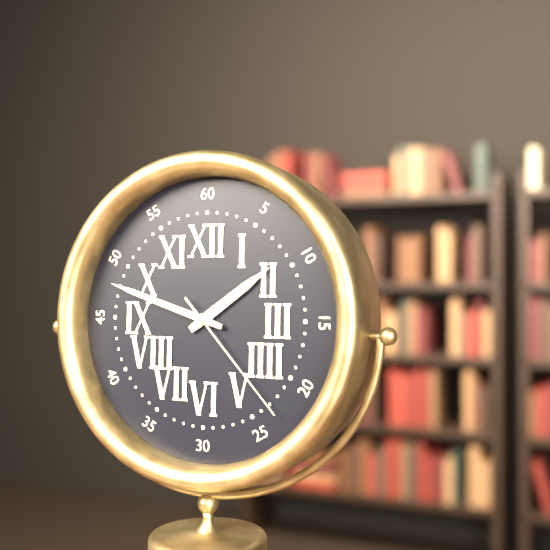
1 h 48 min 23 s
